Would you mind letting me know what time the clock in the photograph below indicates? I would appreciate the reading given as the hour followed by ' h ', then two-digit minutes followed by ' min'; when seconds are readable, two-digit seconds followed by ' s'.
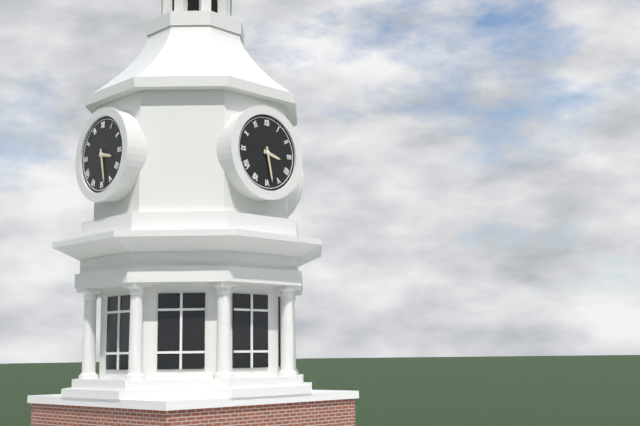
3 h 28 min
